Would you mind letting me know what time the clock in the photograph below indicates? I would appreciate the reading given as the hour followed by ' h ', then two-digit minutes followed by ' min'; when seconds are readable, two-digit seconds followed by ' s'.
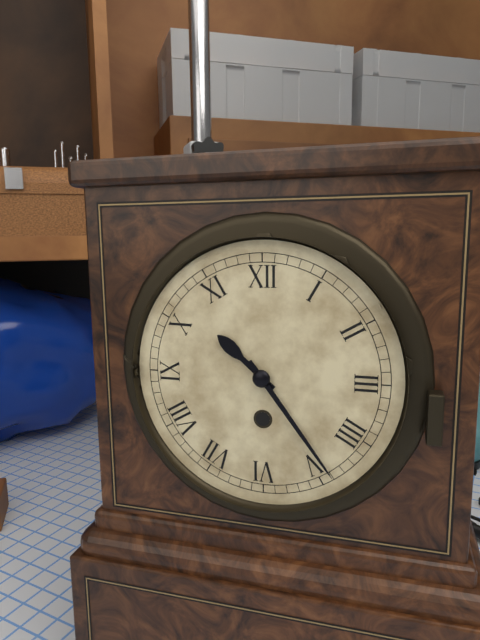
10 h 24 min
